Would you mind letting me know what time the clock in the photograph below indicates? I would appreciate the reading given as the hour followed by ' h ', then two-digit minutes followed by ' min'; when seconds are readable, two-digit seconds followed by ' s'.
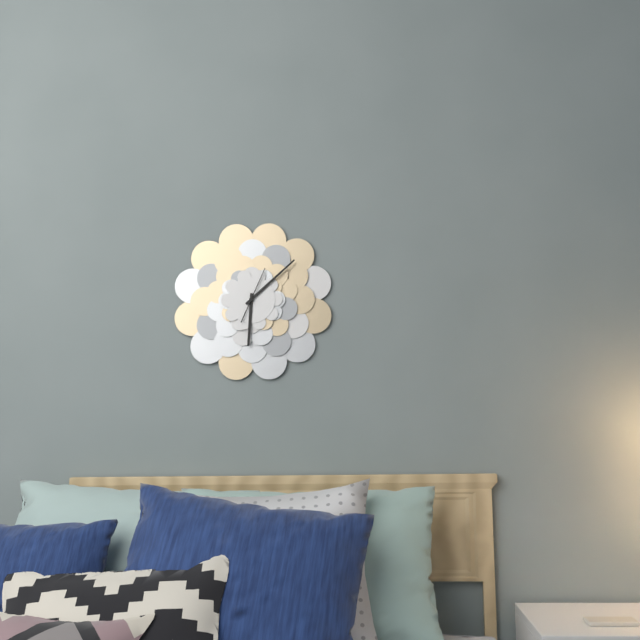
6 h 08 min
